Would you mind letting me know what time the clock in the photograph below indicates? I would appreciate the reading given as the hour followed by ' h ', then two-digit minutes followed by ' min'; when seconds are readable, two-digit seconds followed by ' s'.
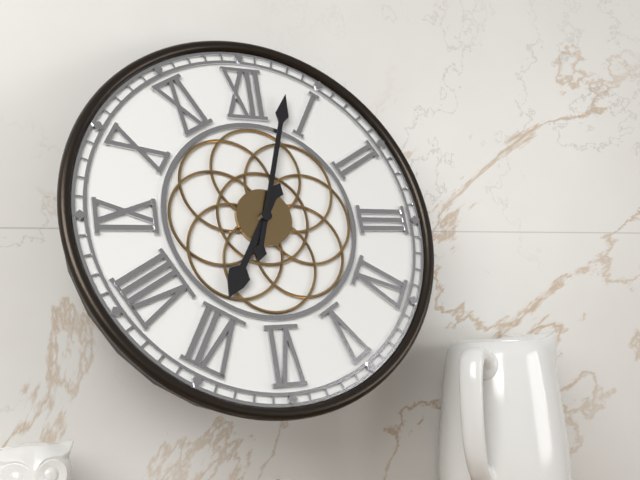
7 h 03 min
